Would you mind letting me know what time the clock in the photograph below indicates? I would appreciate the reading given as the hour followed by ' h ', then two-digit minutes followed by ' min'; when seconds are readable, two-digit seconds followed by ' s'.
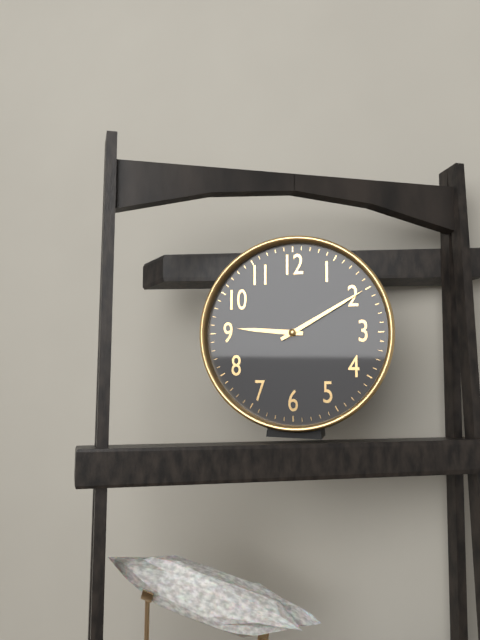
9 h 10 min
